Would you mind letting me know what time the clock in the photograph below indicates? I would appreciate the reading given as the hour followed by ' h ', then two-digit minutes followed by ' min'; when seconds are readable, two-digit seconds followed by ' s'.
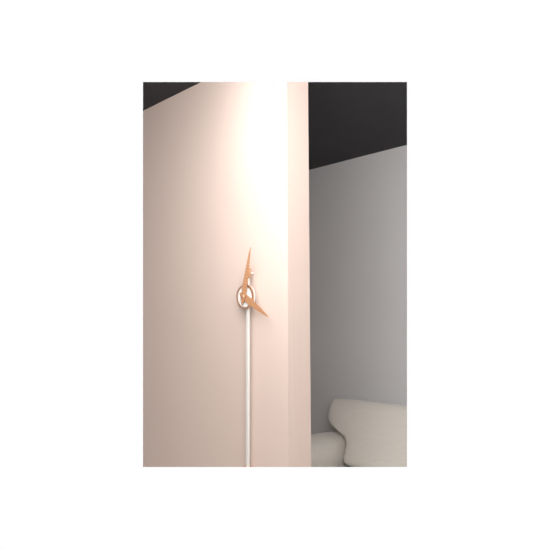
4 h 02 min
